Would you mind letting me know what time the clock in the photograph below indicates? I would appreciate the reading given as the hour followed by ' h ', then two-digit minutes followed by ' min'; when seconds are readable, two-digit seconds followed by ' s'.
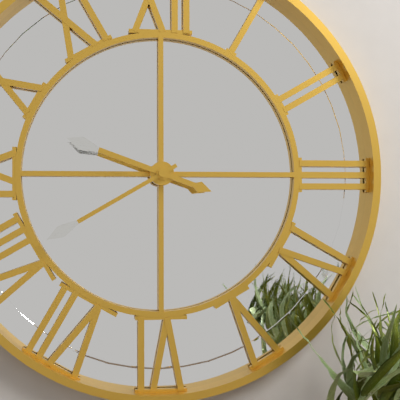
9 h 40 min
